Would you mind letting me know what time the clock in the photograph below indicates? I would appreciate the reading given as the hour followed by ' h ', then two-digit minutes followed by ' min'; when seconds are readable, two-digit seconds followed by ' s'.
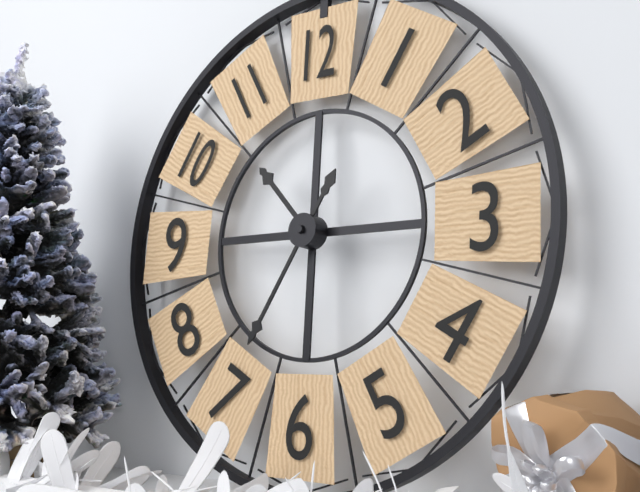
10 h 35 min
